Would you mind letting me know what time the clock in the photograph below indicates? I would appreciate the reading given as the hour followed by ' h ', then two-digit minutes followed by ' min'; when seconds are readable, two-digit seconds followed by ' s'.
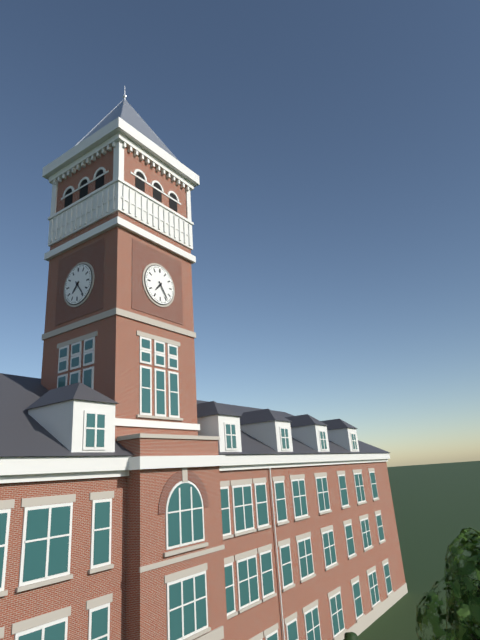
7 h 24 min
